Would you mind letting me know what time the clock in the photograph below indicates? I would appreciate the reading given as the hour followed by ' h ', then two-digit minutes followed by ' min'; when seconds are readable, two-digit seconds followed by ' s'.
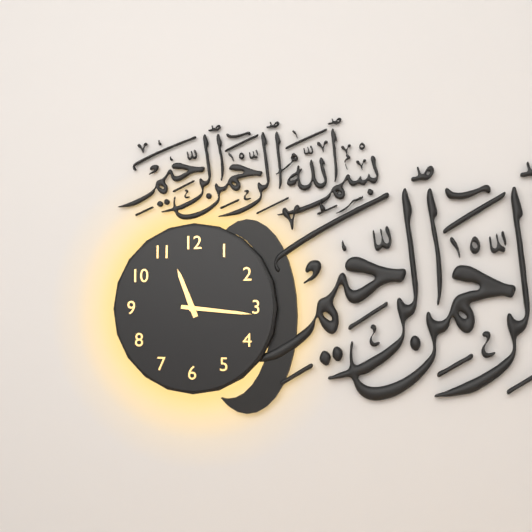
11 h 16 min
